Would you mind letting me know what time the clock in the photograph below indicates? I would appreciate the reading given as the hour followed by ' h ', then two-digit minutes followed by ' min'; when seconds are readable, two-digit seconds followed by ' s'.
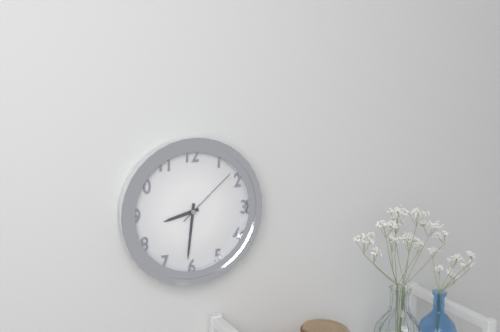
8 h 31 min 08 s
